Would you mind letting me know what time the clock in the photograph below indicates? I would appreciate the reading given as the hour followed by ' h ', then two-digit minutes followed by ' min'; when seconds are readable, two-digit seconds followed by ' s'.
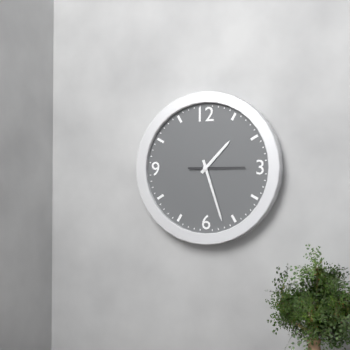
1 h 27 min
